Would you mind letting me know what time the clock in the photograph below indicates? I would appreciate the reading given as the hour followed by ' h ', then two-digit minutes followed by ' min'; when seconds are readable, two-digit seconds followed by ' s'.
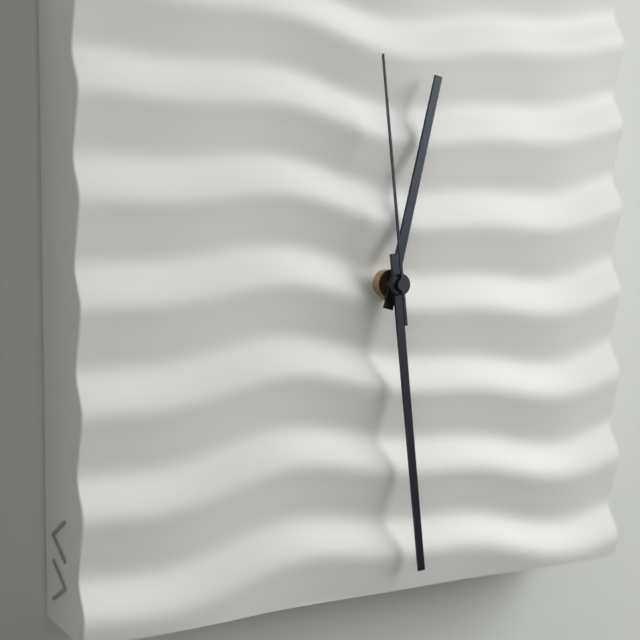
12 h 29 min 59 s
